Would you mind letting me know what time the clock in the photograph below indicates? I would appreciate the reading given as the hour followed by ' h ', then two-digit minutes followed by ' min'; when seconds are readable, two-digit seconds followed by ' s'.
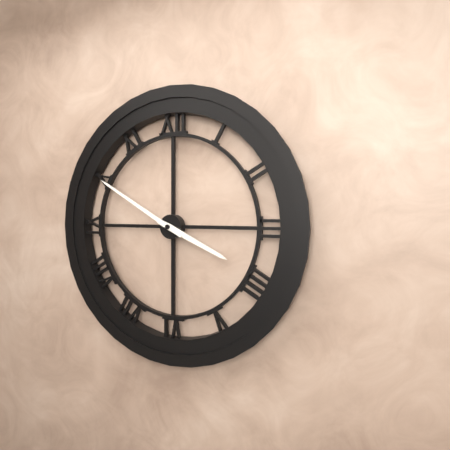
3 h 50 min
